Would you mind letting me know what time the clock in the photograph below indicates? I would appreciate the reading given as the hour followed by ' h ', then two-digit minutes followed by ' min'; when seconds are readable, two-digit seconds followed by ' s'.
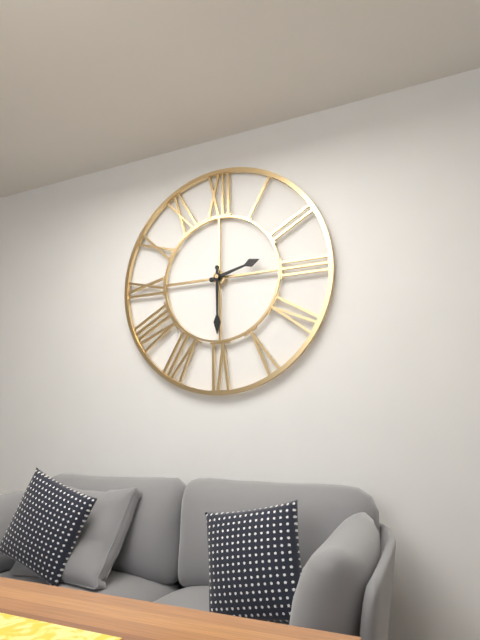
2 h 30 min
